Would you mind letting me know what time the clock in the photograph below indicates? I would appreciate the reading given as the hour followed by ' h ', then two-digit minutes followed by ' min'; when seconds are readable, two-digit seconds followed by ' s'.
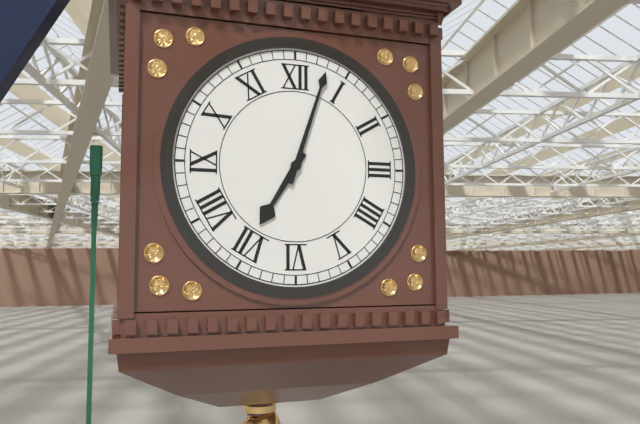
7 h 03 min
